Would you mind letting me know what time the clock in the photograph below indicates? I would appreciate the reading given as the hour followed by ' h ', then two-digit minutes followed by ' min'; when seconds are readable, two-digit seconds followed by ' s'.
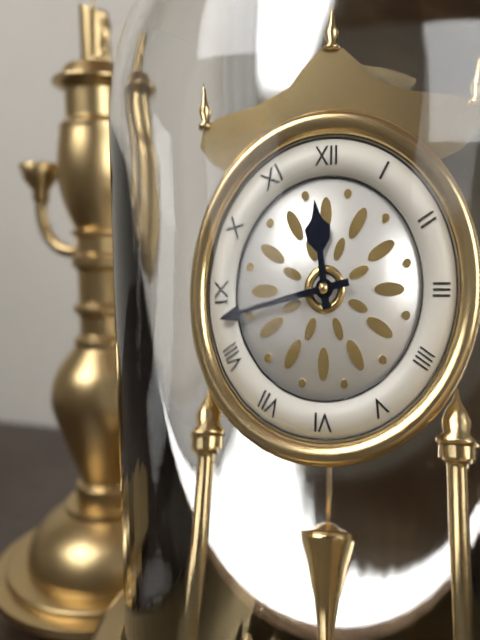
11 h 43 min
